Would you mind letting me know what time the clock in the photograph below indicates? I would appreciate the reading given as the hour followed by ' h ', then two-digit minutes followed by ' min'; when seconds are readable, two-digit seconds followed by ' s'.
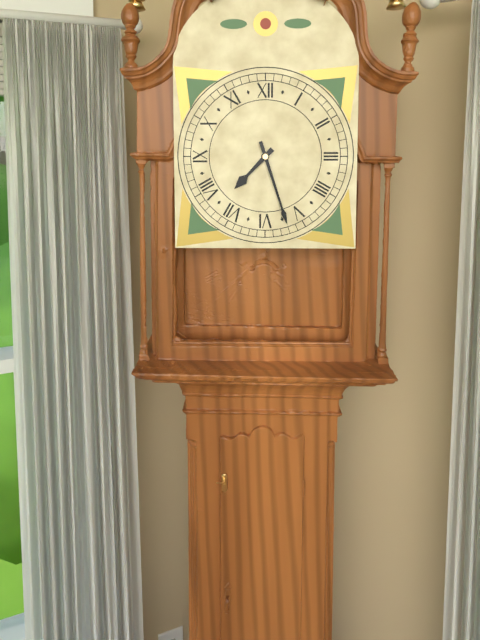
7 h 27 min
